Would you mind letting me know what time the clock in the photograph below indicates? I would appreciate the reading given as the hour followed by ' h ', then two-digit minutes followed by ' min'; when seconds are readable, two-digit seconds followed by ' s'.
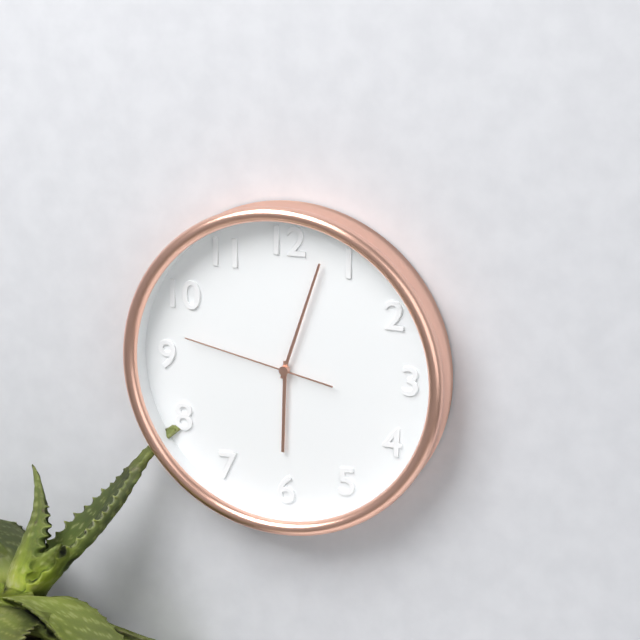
6 h 03 min 47 s
